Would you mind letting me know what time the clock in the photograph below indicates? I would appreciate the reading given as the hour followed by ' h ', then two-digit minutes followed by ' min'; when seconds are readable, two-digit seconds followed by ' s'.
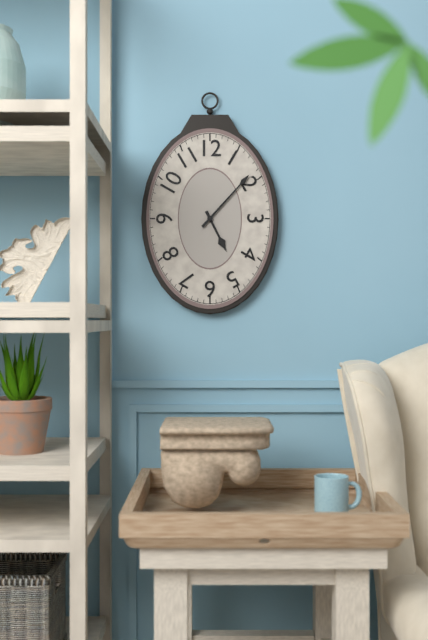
5 h 07 min
